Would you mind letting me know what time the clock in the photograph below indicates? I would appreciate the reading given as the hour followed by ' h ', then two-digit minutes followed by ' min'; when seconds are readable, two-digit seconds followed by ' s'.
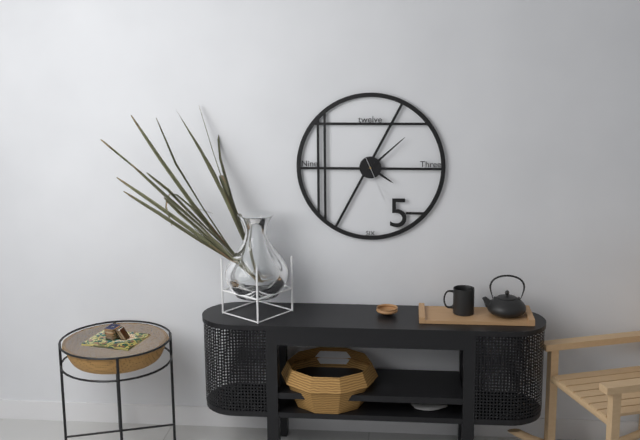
4 h 08 min
